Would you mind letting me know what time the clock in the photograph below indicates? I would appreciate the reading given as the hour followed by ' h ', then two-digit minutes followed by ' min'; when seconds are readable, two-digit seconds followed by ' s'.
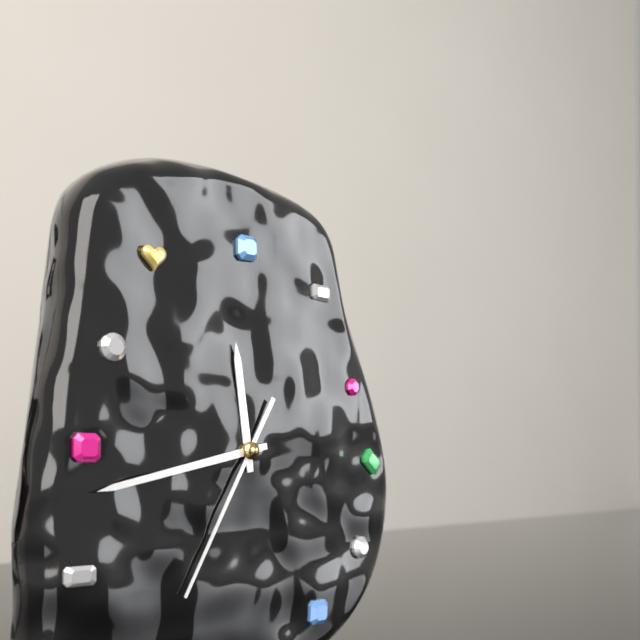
11 h 43 min 35 s
